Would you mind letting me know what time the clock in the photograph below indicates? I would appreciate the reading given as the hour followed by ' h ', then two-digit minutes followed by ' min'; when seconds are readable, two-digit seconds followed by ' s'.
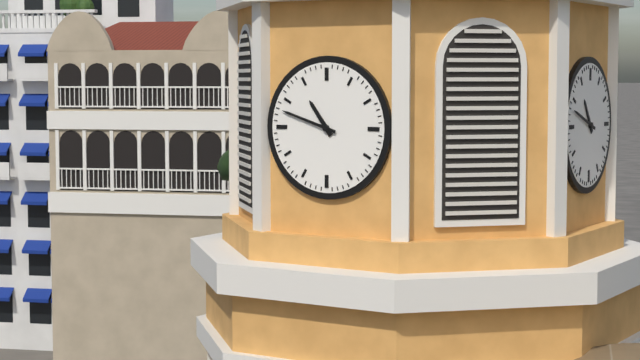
10 h 48 min
